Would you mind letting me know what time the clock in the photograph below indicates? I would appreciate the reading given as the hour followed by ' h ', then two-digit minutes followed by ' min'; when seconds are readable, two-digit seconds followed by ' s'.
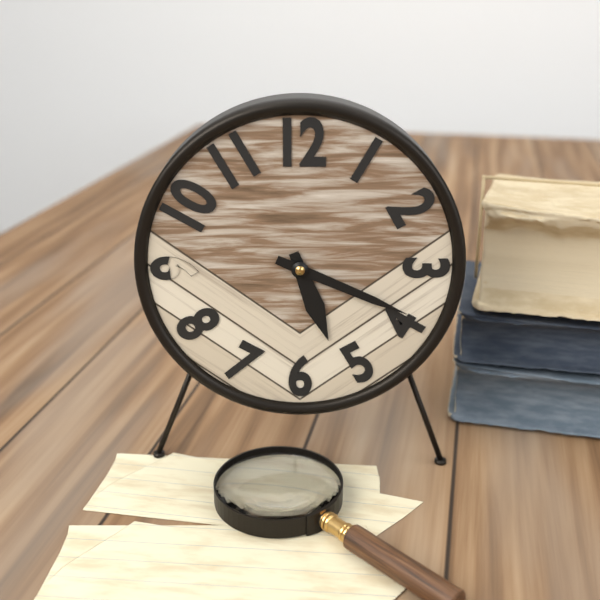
5 h 19 min
